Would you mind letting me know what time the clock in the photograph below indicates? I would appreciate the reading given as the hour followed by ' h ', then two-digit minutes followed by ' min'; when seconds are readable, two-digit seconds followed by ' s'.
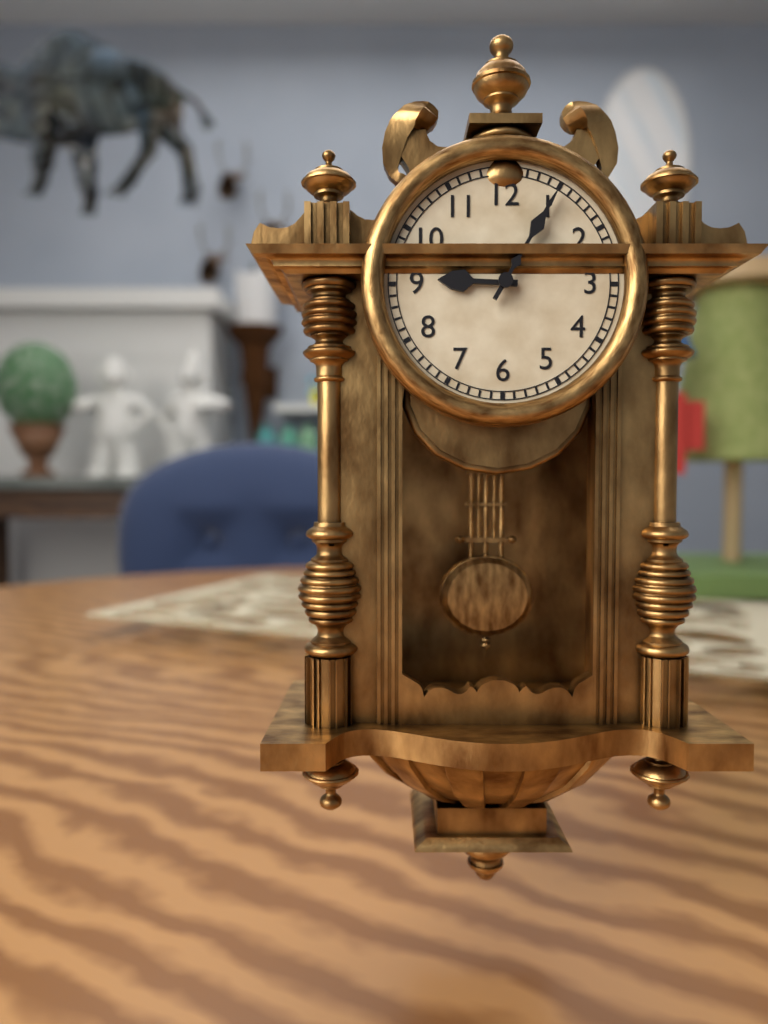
9 h 05 min
